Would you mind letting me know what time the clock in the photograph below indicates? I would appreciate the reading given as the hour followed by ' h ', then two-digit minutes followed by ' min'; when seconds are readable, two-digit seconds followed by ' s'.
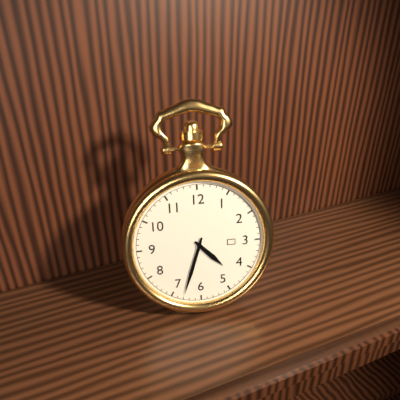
4 h 33 min
